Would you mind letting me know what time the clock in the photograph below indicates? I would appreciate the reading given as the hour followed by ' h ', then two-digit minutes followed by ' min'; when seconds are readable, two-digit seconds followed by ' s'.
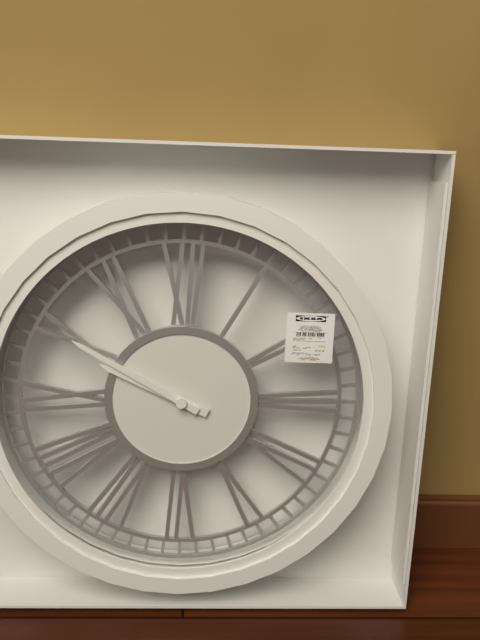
9 h 50 min
